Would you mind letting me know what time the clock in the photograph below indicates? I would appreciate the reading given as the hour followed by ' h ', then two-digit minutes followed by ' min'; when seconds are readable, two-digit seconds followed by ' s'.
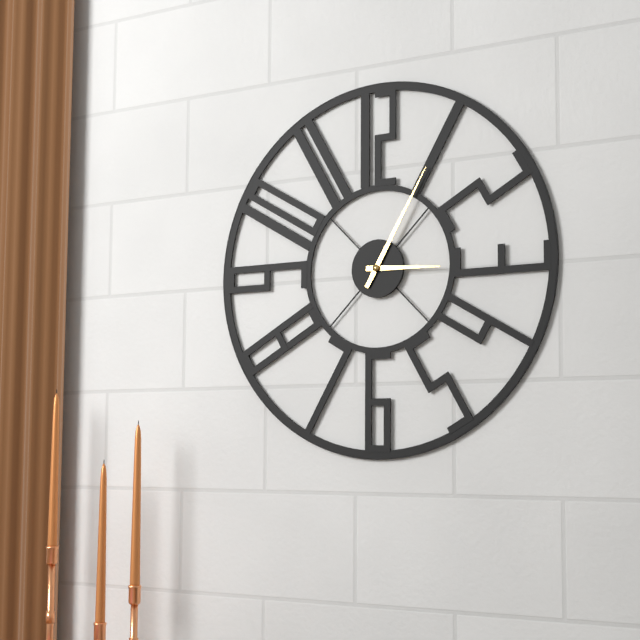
3 h 05 min
